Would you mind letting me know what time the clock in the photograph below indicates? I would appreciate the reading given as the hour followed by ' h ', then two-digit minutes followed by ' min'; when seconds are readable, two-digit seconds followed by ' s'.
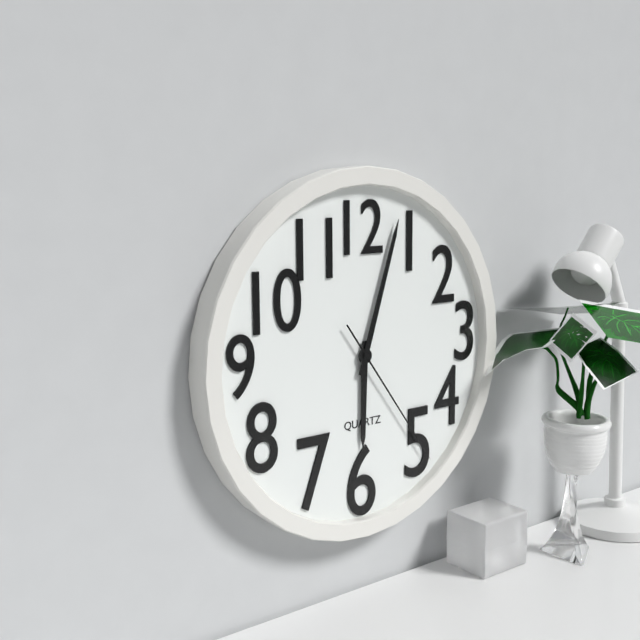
6 h 03 min 24 s
